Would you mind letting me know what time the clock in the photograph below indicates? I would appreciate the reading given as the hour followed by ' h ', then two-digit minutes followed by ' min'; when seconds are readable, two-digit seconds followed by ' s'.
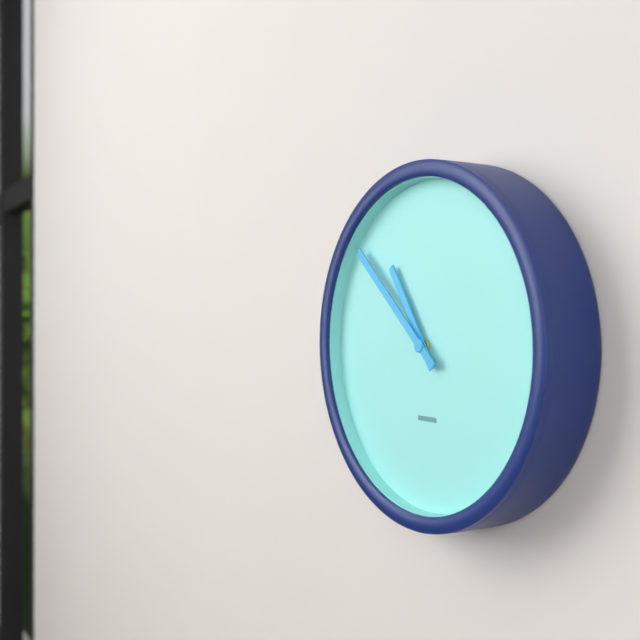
10 h 52 min
